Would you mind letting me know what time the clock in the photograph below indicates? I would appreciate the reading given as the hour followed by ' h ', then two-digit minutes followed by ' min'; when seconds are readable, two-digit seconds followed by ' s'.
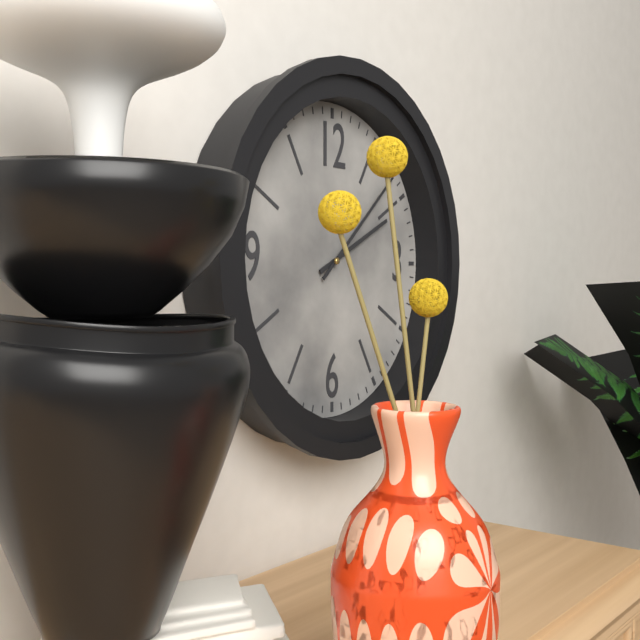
2 h 08 min
